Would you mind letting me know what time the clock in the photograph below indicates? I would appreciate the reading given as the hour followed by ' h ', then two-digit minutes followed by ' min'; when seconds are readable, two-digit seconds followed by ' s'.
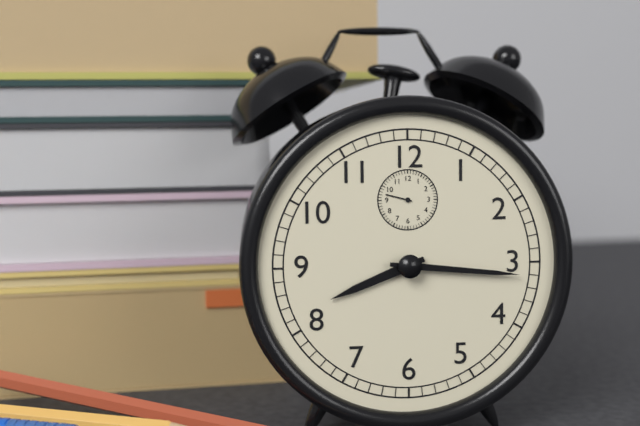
8 h 16 min
